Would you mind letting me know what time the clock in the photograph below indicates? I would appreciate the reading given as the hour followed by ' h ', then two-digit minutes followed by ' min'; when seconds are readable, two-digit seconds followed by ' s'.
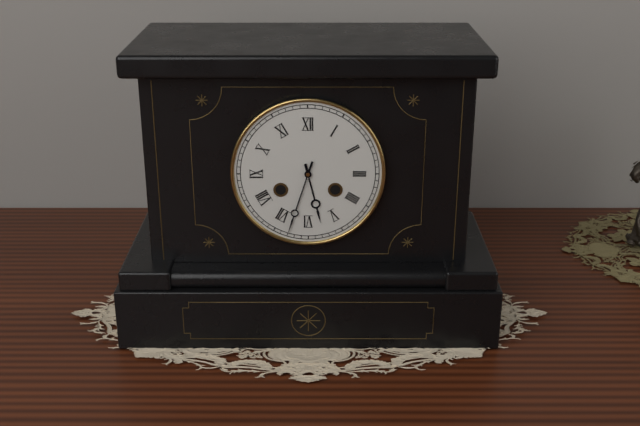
5 h 33 min
